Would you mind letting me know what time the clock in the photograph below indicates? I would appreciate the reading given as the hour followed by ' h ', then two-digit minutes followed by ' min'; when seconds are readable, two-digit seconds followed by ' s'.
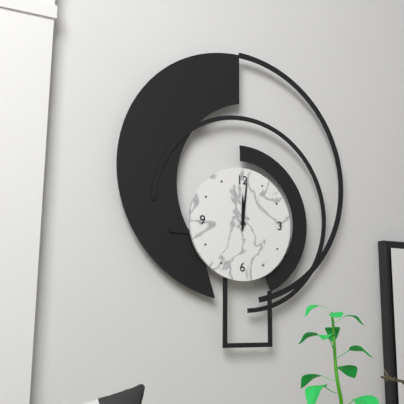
12 h 01 min
